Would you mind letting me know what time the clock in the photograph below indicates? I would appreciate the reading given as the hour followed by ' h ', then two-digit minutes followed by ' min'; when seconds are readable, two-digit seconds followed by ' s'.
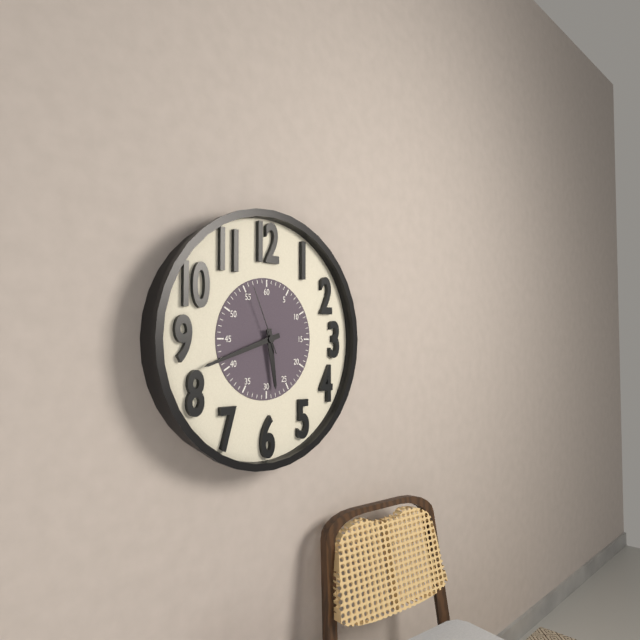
5 h 42 min 56 s
